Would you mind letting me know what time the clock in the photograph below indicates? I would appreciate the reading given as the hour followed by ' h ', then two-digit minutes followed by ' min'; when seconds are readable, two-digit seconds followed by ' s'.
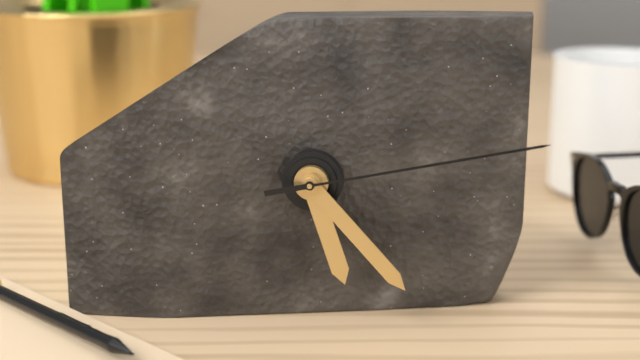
5 h 23 min 13 s
